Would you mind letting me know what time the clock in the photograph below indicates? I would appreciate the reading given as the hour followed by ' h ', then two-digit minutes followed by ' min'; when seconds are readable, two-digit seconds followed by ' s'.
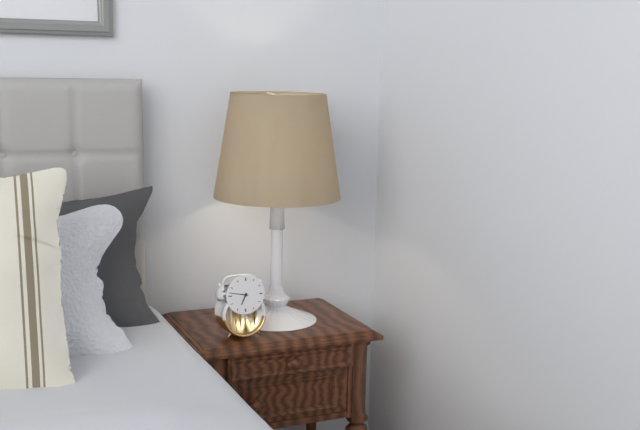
6 h 47 min
